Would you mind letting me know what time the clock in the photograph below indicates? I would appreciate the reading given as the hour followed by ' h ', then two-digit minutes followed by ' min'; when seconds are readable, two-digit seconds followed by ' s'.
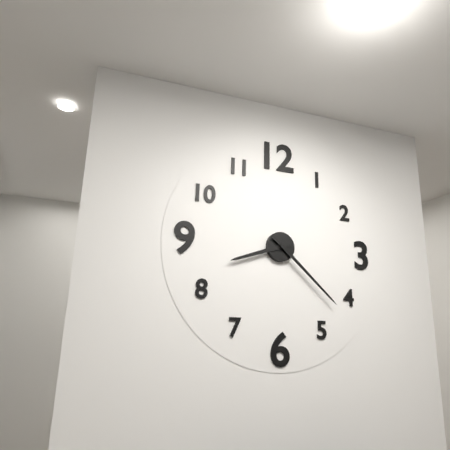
8 h 22 min
